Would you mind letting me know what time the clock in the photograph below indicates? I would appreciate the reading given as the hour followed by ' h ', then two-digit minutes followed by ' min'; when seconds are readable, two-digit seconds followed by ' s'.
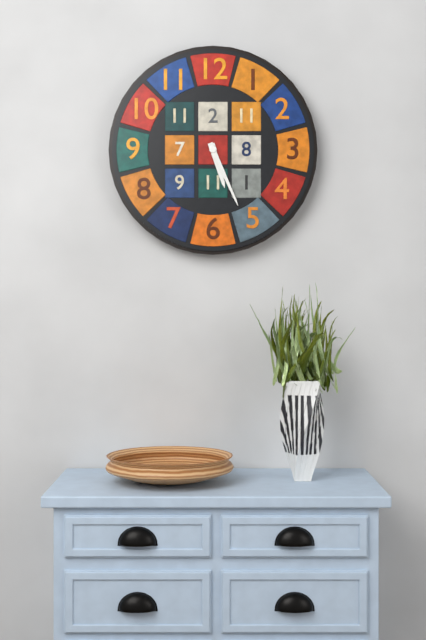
5 h 26 min
